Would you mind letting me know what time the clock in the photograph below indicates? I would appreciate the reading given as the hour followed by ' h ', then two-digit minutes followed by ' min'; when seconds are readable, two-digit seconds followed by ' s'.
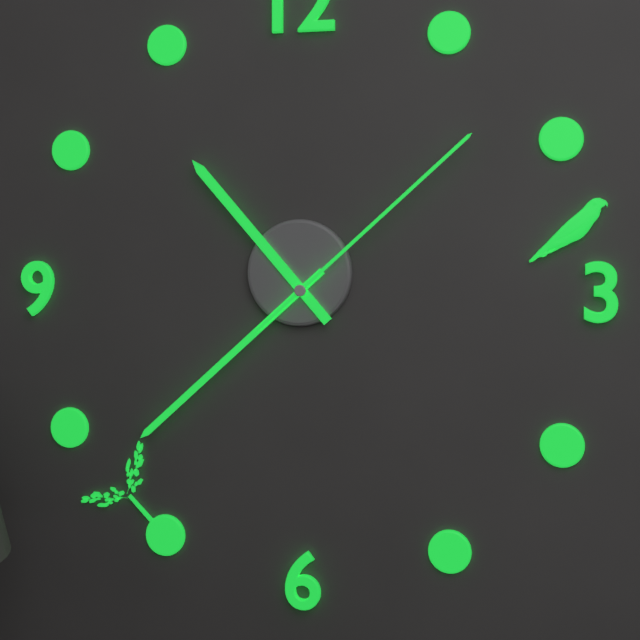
10 h 38 min 08 s
